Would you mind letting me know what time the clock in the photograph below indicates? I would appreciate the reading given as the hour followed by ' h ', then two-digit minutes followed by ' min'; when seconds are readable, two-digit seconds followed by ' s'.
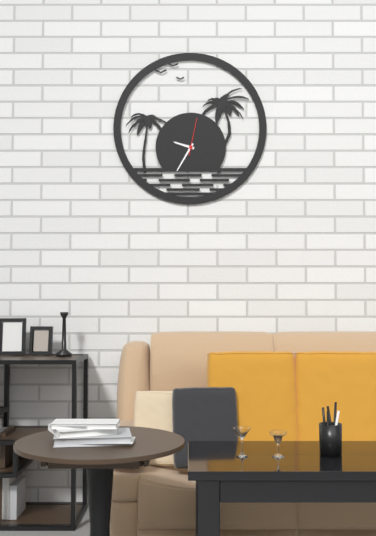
9 h 35 min
